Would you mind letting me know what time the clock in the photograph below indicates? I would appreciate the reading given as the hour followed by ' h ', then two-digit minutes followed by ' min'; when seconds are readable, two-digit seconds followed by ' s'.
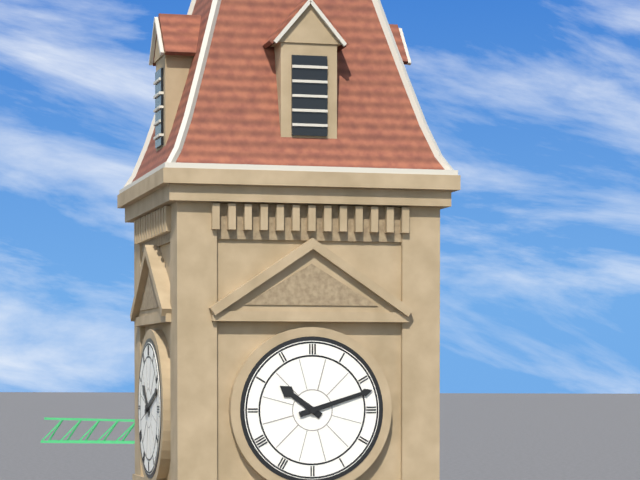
10 h 12 min
